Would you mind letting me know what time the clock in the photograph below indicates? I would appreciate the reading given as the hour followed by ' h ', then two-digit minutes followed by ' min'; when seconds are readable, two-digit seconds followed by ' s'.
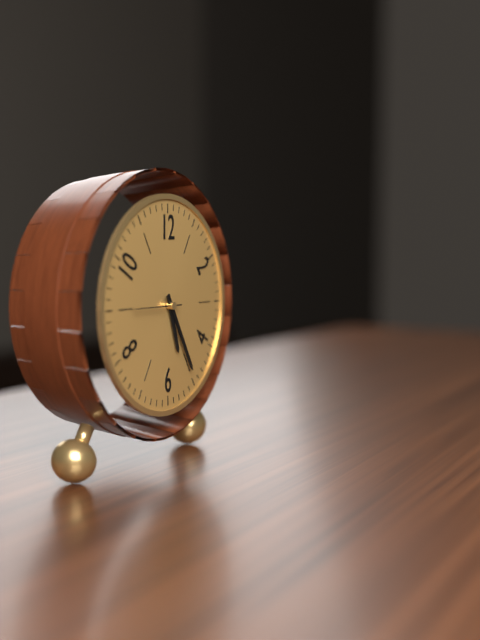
5 h 25 min
